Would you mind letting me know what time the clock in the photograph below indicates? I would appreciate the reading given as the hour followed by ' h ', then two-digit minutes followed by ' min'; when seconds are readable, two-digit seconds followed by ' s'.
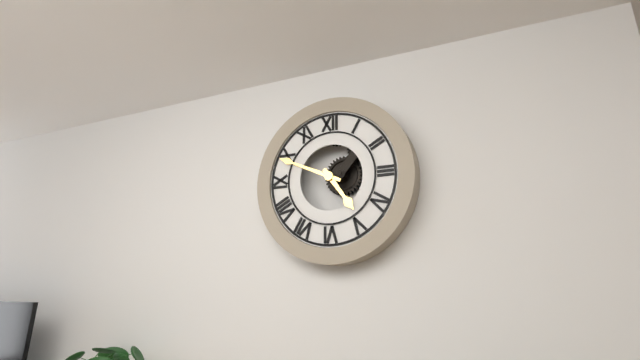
4 h 49 min
